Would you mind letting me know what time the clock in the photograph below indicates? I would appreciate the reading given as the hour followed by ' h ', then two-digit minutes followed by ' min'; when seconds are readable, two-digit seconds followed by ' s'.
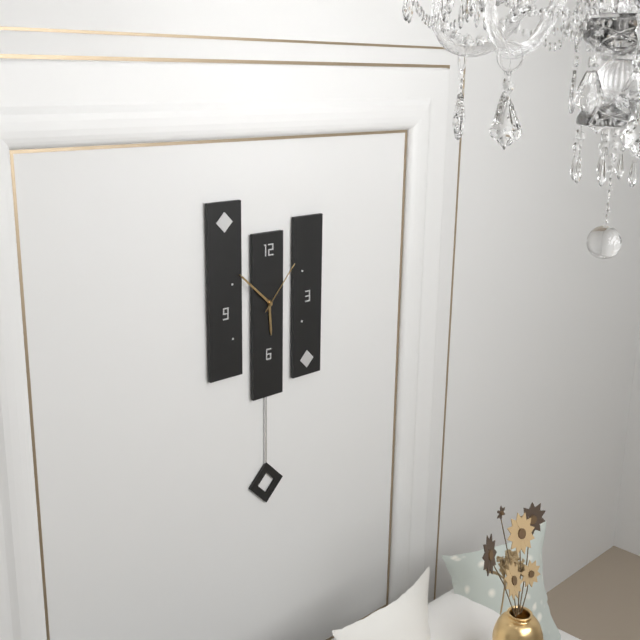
5 h 52 min 07 s
